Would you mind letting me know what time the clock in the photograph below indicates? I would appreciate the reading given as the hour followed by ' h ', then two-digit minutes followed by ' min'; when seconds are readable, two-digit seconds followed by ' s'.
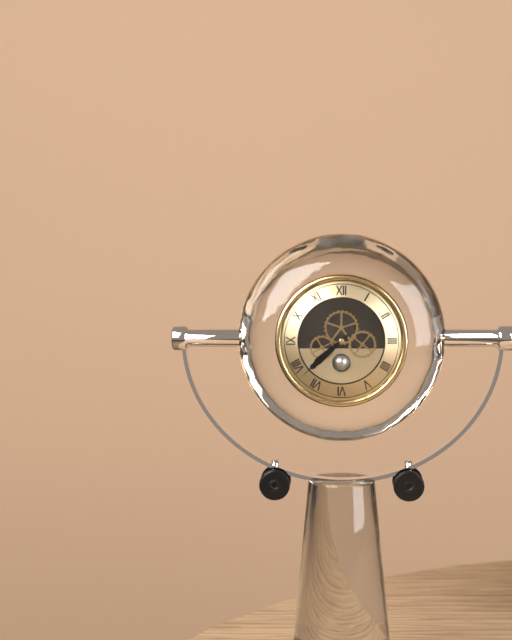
7 h 38 min
